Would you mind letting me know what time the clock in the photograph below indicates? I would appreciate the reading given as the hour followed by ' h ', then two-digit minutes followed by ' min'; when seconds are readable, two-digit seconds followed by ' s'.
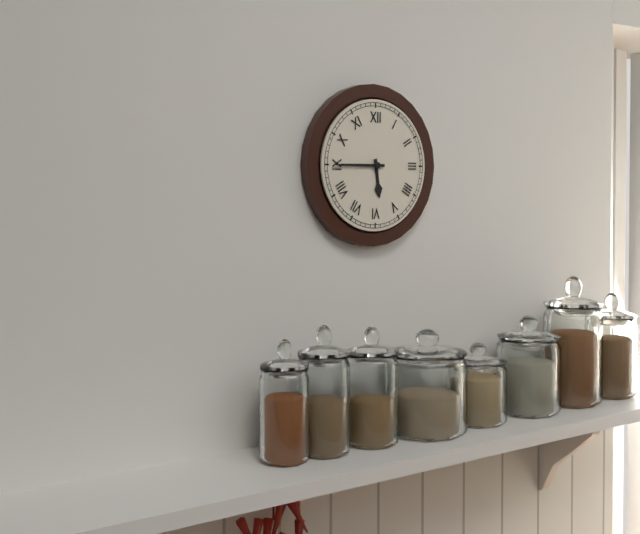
5 h 45 min
